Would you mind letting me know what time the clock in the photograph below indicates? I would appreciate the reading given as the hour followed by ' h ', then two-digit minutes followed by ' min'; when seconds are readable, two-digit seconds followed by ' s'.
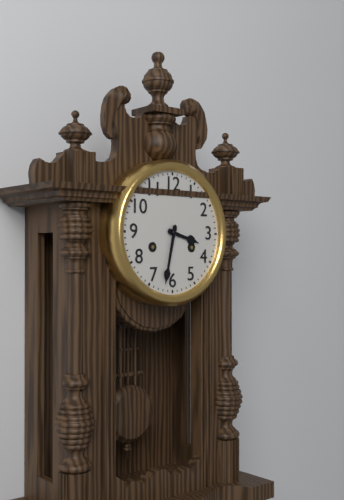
3 h 32 min
